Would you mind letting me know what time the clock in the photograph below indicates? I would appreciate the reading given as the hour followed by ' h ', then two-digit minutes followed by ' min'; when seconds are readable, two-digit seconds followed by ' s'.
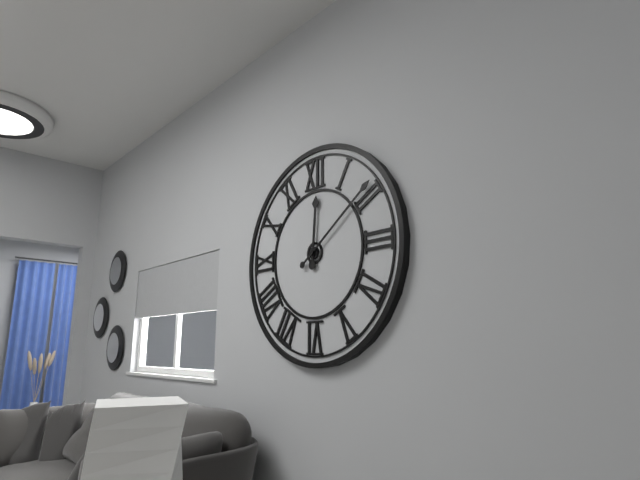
12 h 09 min
